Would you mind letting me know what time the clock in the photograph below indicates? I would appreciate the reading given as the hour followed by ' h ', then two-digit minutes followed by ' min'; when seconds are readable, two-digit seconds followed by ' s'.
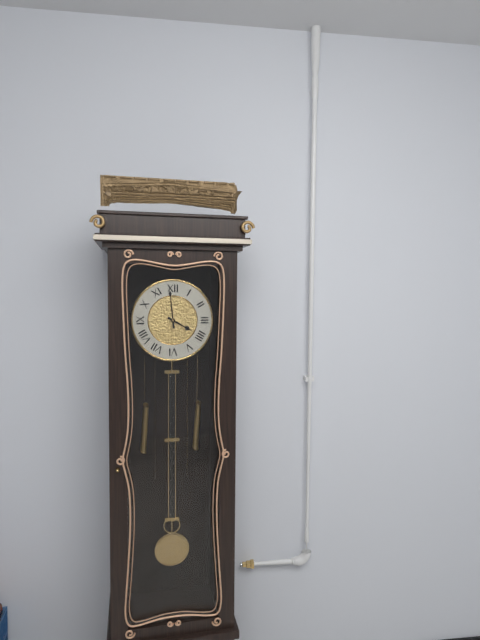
3 h 59 min
